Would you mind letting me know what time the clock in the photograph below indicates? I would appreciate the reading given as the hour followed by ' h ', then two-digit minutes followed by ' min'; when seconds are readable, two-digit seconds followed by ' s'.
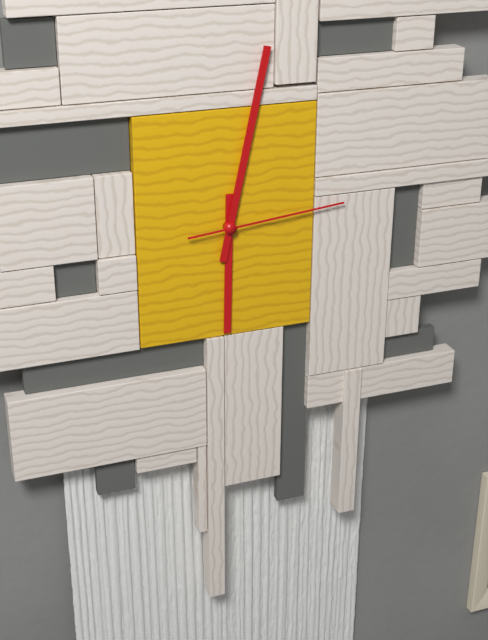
6 h 02 min 14 s
